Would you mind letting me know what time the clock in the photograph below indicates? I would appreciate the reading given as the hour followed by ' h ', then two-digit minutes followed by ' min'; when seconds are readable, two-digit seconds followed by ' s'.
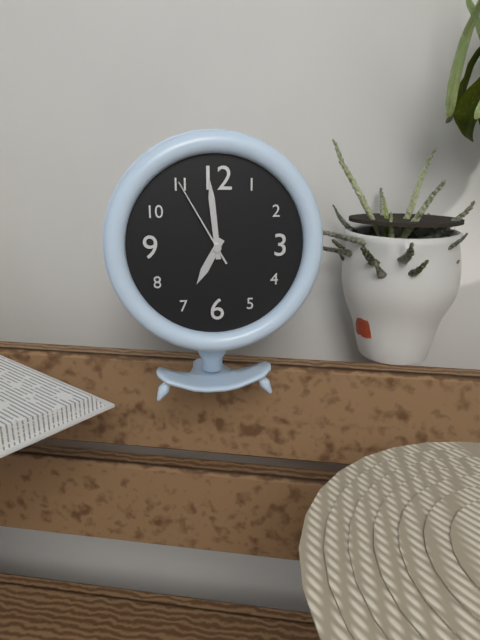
6 h 59 min 55 s
